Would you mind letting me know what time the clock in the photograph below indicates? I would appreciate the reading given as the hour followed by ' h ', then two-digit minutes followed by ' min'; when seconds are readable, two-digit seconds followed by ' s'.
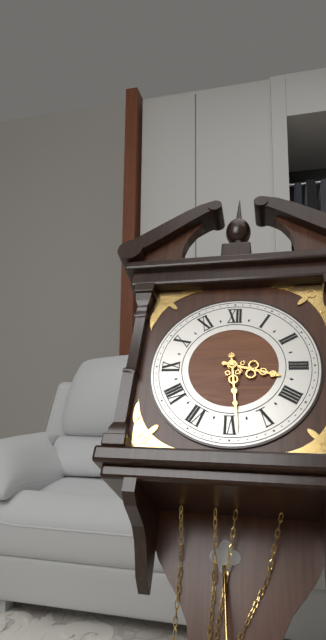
3 h 29 min
